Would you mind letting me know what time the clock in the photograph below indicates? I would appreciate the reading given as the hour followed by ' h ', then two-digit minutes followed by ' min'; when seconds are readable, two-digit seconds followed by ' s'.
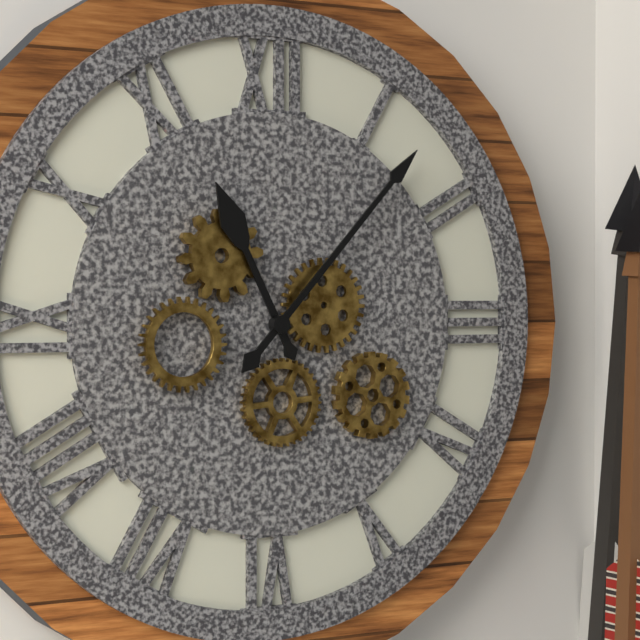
11 h 07 min
